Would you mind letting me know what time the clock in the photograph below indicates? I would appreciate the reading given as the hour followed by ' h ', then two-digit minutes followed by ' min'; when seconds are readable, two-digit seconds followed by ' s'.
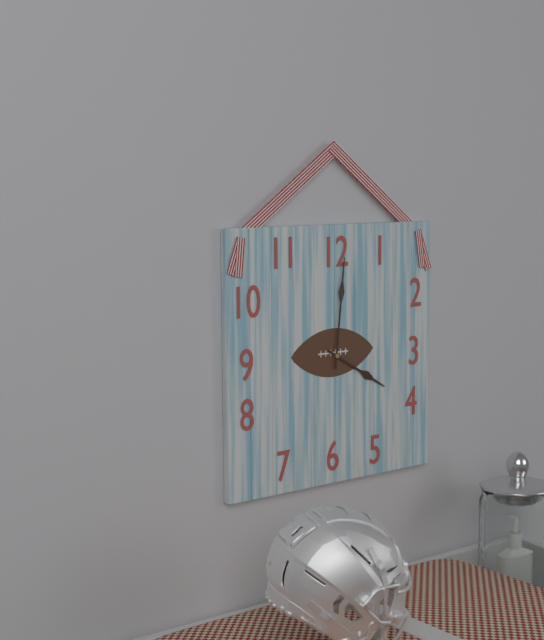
4 h 01 min
